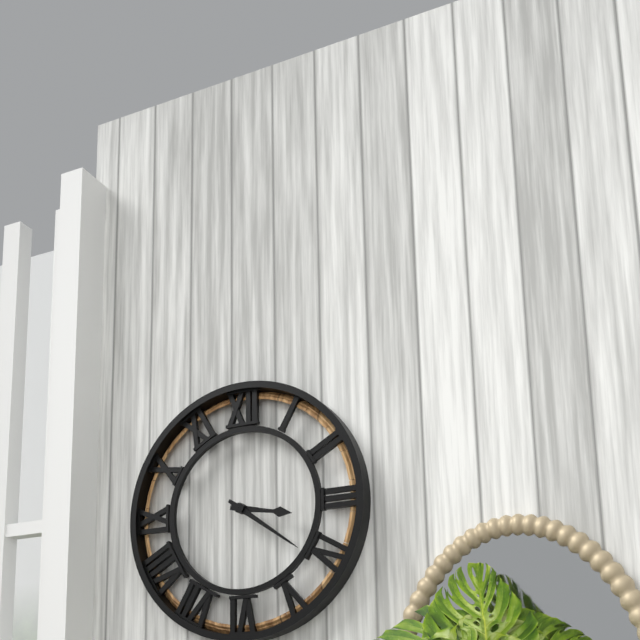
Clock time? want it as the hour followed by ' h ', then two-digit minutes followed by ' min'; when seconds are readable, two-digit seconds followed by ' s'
3 h 21 min
